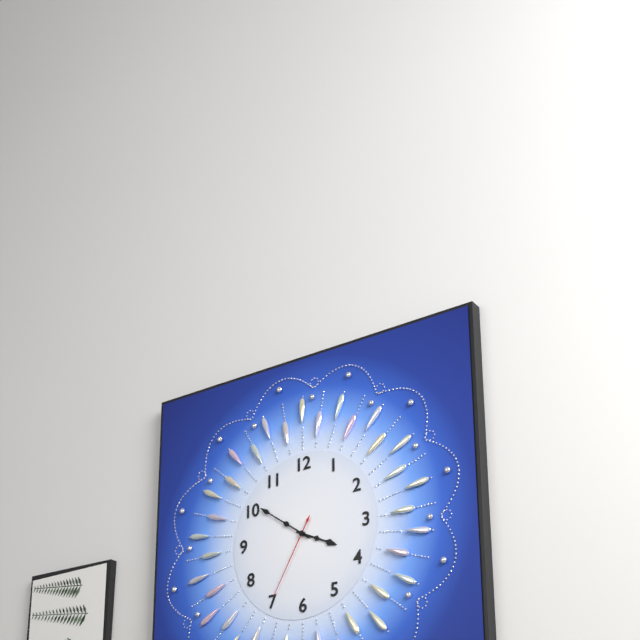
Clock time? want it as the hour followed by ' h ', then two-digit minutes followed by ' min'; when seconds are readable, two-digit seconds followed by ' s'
3 h 51 min 35 s
